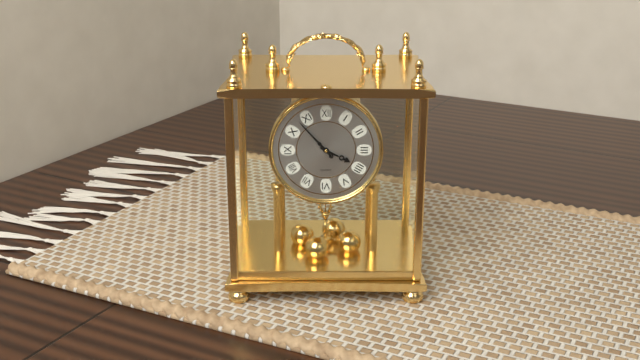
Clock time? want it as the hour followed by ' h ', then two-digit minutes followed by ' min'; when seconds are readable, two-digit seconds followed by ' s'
3 h 53 min
